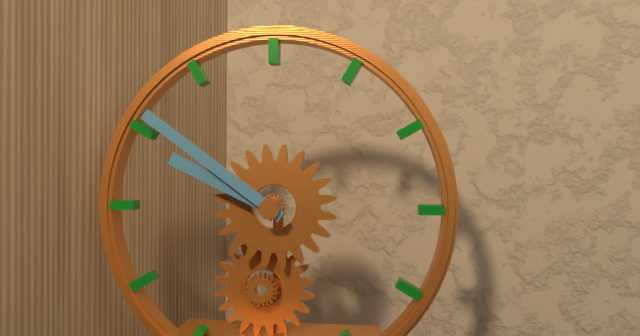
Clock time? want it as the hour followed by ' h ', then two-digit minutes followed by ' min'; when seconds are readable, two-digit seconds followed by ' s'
9 h 51 min
